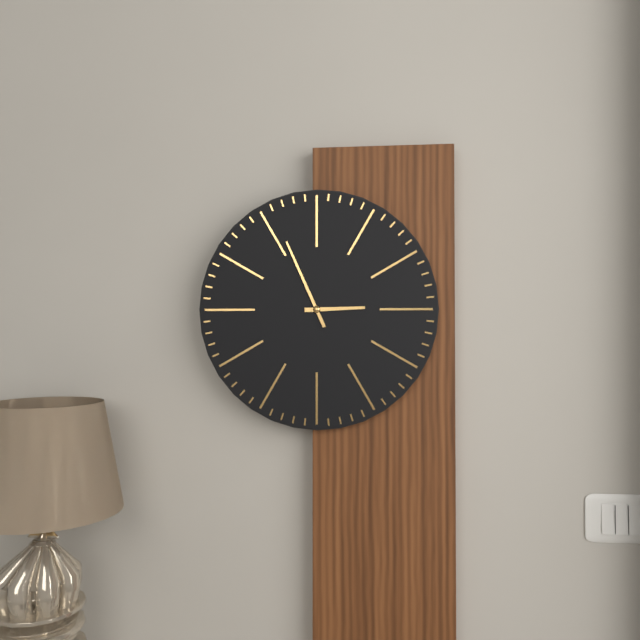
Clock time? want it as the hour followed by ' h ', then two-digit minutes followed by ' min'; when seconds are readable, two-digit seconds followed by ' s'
2 h 56 min
